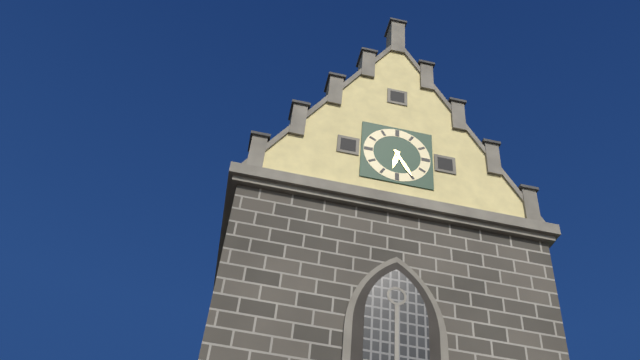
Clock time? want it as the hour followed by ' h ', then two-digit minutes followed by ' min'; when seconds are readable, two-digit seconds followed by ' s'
6 h 25 min
